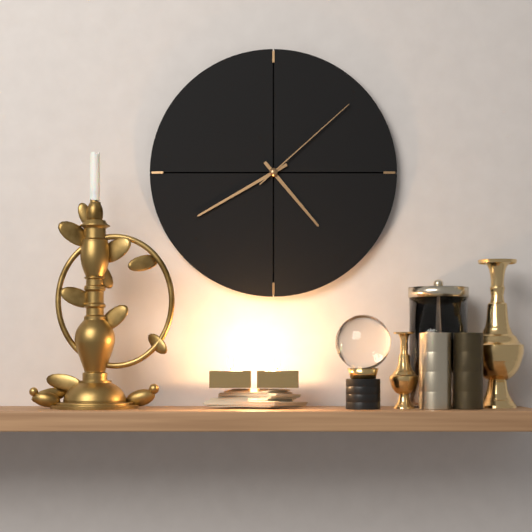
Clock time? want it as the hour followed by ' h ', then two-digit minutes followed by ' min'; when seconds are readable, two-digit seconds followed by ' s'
4 h 40 min 08 s
